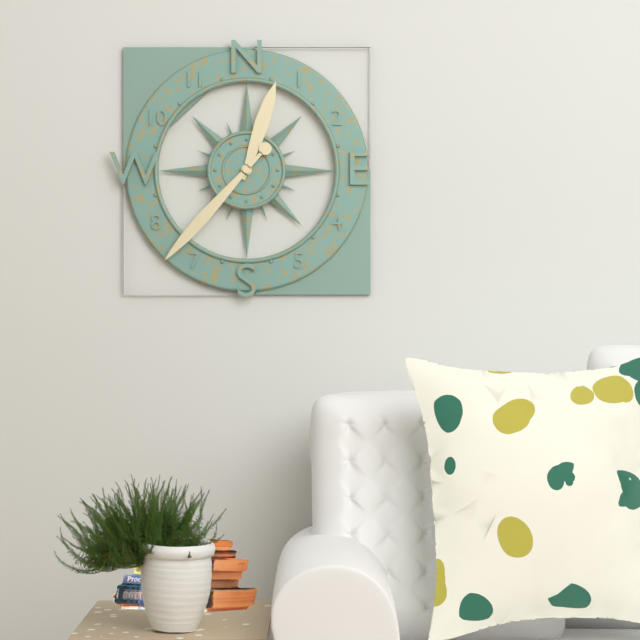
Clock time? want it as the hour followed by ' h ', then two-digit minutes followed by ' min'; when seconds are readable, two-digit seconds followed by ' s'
12 h 37 min
